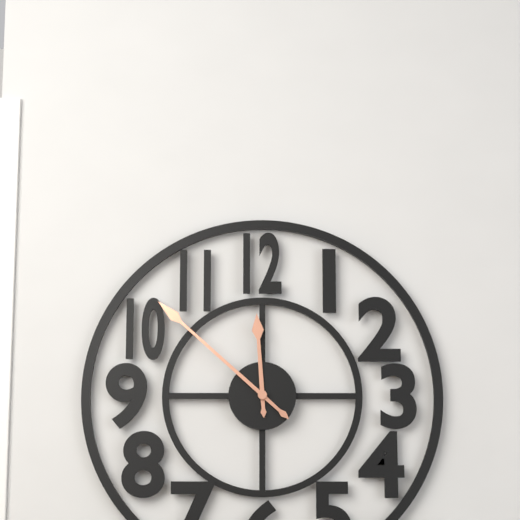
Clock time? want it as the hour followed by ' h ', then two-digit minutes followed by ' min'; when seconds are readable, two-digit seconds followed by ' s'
11 h 52 min
